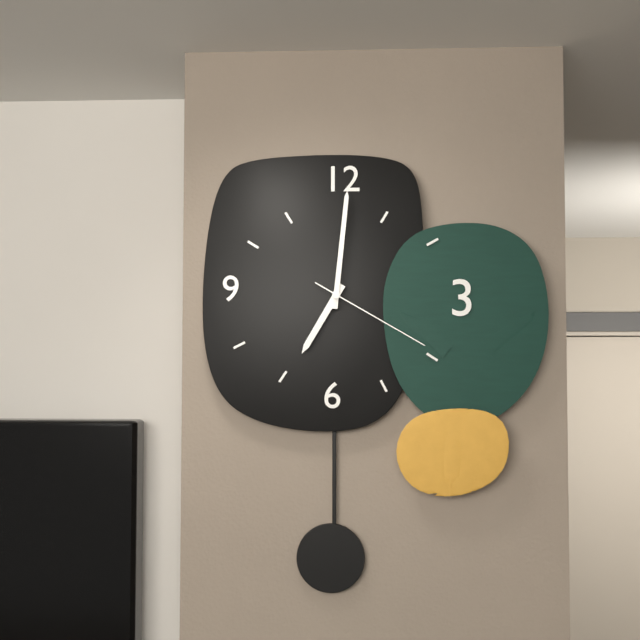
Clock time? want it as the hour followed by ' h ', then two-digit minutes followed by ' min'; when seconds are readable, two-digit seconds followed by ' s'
7 h 01 min 20 s
